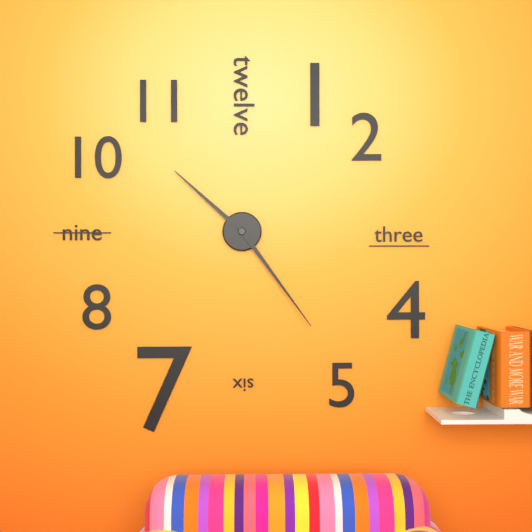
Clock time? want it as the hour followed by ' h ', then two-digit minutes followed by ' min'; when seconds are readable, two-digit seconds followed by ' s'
10 h 24 min
